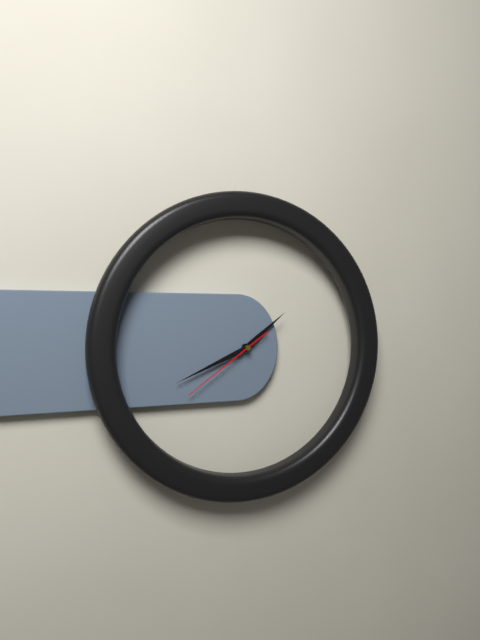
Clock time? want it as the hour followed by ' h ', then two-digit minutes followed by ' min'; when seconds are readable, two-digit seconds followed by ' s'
1 h 41 min 39 s
